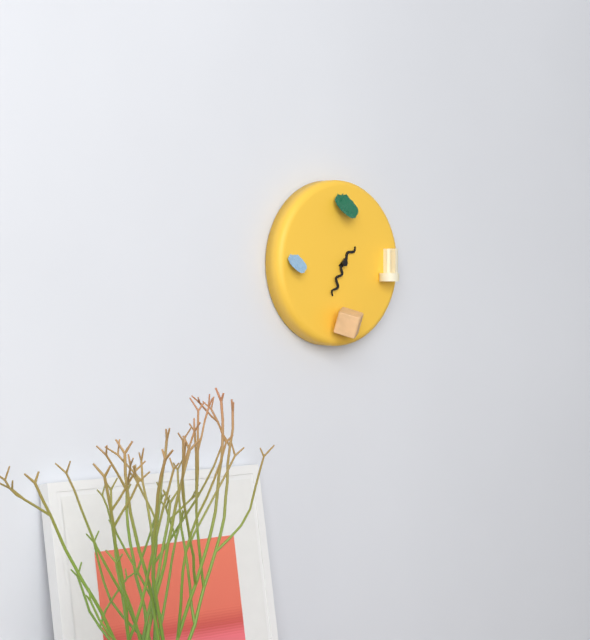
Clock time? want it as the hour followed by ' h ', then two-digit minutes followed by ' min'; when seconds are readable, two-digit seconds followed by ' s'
1 h 34 min
